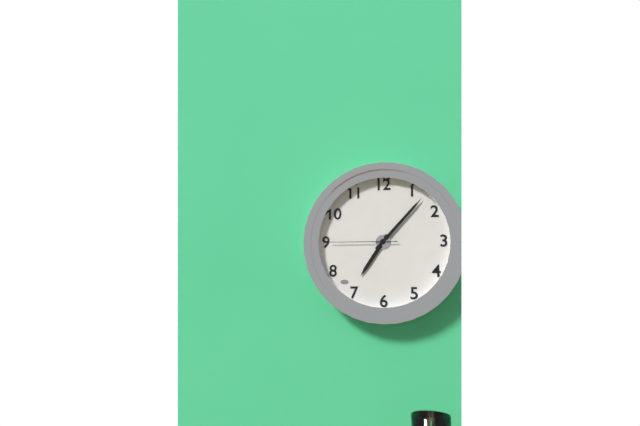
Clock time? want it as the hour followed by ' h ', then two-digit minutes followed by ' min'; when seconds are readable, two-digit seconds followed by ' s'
7 h 07 min 45 s
